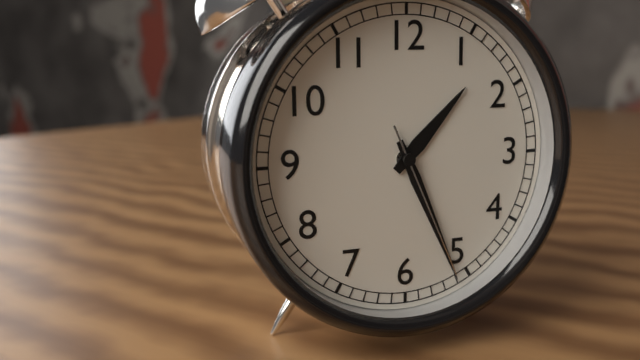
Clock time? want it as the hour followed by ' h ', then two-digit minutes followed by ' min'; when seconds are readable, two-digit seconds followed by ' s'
1 h 26 min 26 s
